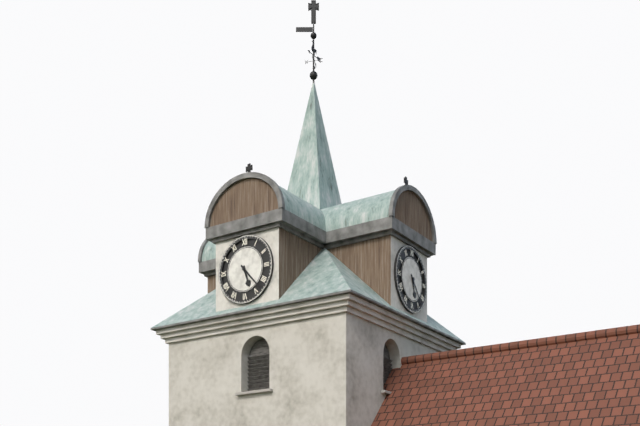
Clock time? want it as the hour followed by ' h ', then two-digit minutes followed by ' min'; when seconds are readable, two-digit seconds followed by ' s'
5 h 23 min
